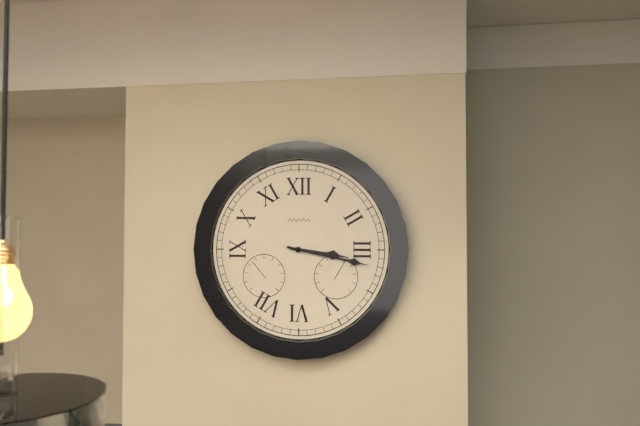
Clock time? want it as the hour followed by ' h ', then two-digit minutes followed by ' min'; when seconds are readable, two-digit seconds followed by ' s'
3 h 17 min
